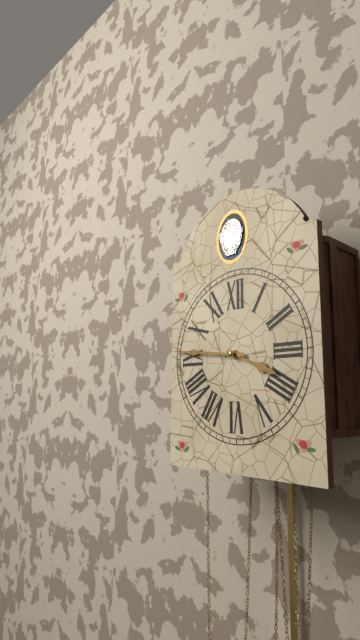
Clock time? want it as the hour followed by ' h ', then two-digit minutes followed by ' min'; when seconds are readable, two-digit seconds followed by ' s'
3 h 46 min
